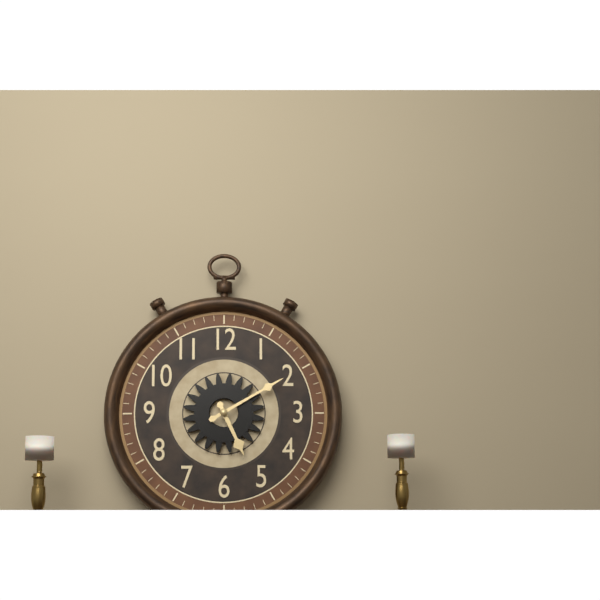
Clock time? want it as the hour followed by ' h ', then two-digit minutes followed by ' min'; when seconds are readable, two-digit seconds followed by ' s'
5 h 10 min
